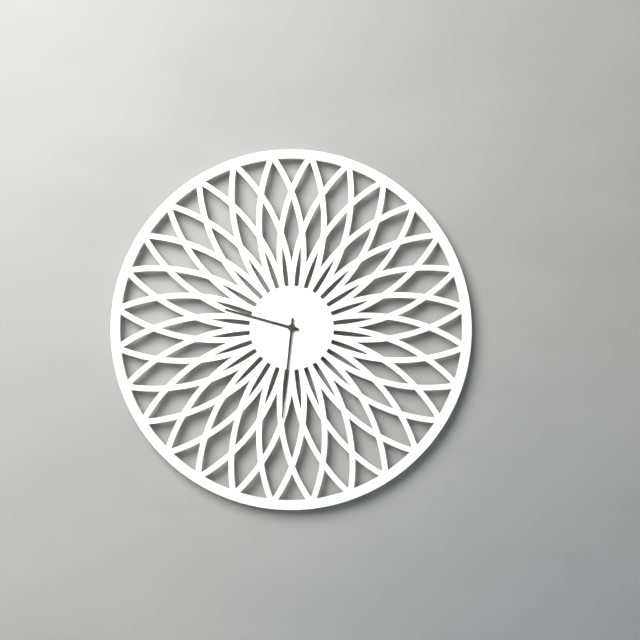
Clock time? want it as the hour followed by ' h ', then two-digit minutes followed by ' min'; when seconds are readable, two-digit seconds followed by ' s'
9 h 31 min
